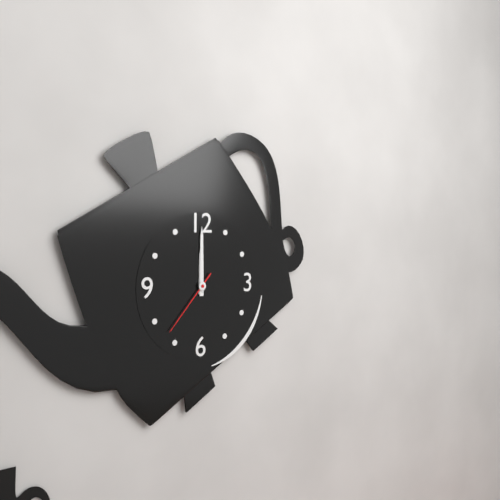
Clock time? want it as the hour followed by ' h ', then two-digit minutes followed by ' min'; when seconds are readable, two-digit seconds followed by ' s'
12 h 00 min 37 s
